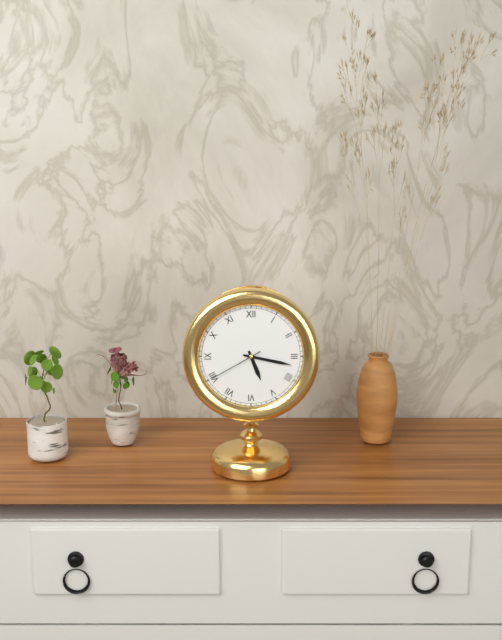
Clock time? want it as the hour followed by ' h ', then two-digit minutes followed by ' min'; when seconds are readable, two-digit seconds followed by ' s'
5 h 17 min 40 s
